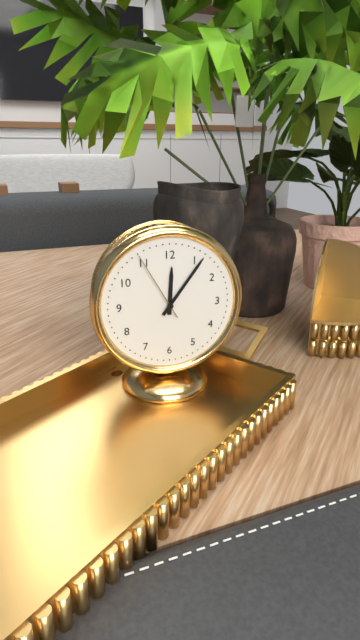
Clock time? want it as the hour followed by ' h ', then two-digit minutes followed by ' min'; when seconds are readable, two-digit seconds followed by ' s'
12 h 06 min 55 s
